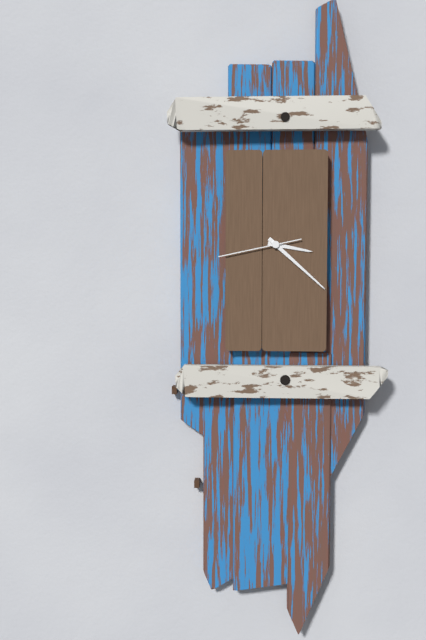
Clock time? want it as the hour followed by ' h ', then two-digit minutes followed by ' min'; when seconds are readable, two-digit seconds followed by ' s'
3 h 22 min 43 s
